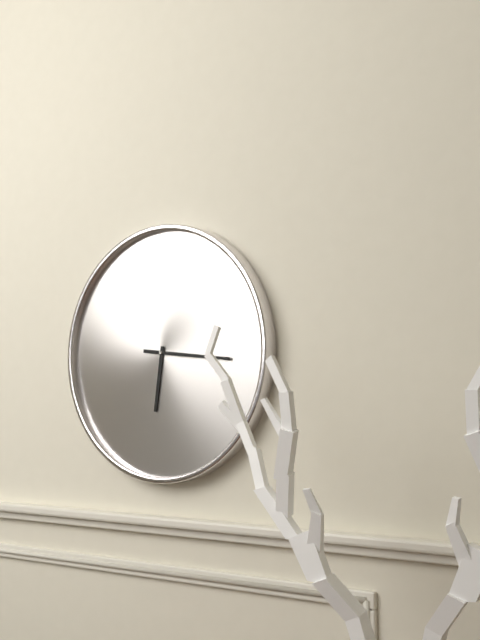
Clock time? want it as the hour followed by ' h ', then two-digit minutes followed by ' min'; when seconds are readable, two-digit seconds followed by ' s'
6 h 16 min
